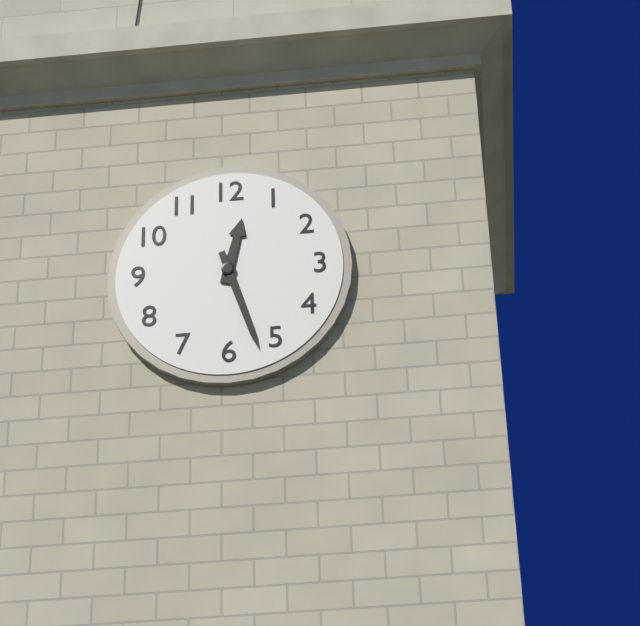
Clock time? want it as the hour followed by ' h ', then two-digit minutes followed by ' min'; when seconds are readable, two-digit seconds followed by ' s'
12 h 27 min
